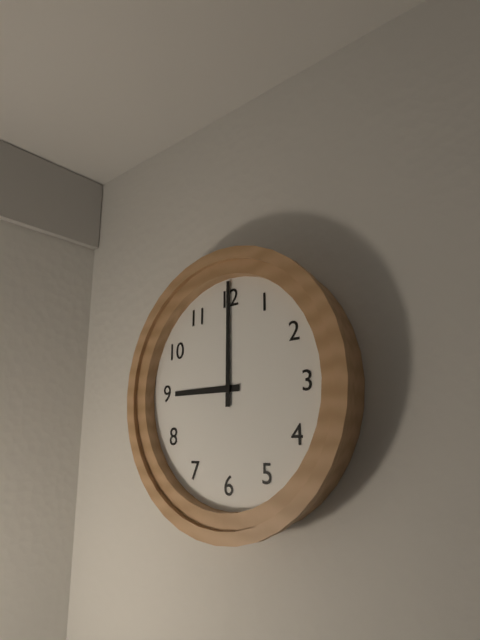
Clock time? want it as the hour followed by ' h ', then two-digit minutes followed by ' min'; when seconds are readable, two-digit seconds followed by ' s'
9 h 00 min
